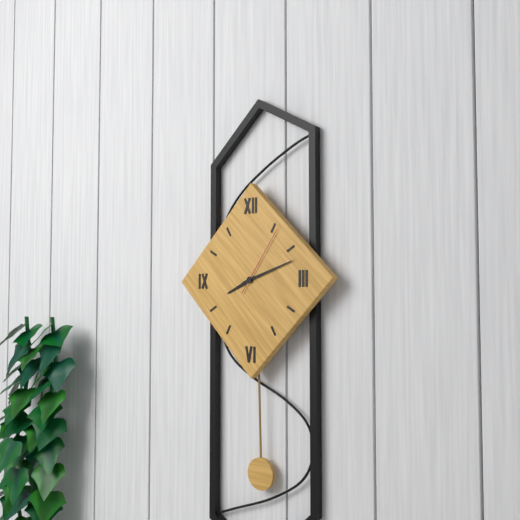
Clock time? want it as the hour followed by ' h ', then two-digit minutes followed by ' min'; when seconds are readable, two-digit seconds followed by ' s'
8 h 12 min 06 s
